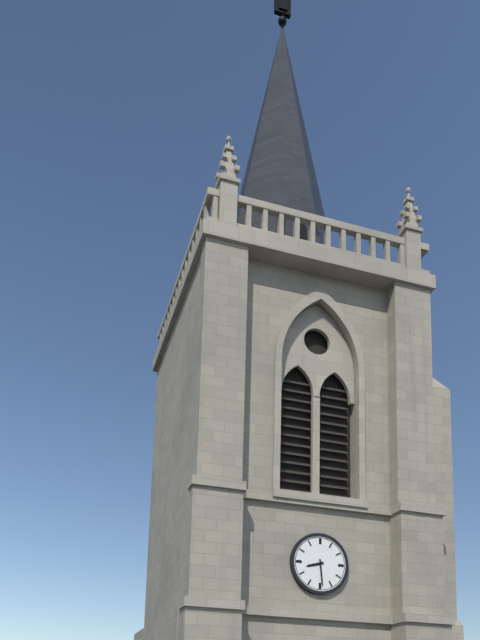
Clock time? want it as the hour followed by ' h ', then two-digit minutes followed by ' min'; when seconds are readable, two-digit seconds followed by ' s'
8 h 29 min
